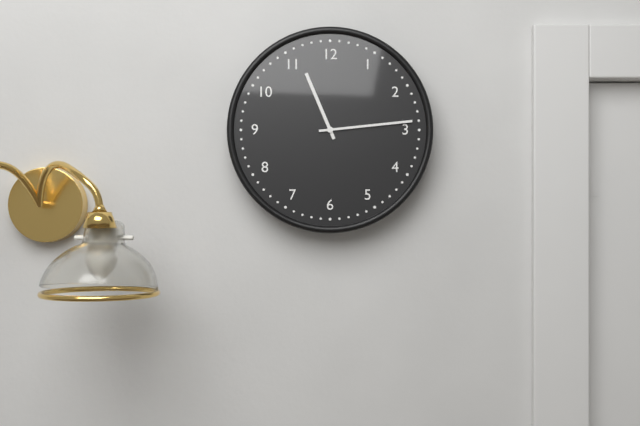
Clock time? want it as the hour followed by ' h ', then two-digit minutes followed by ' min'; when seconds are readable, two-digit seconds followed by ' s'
11 h 14 min
